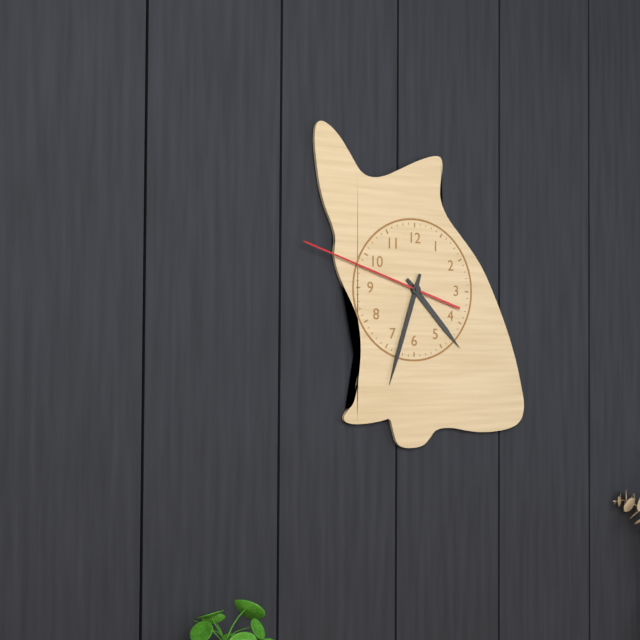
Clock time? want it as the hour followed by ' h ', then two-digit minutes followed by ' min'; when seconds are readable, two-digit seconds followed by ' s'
4 h 33 min 48 s
